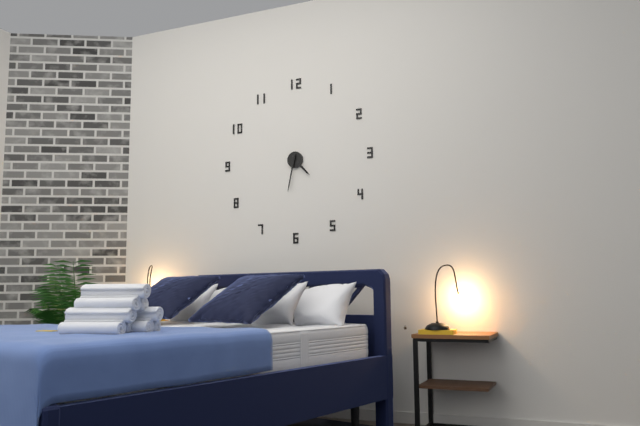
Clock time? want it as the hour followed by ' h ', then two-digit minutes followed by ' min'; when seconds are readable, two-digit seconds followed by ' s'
4 h 32 min
